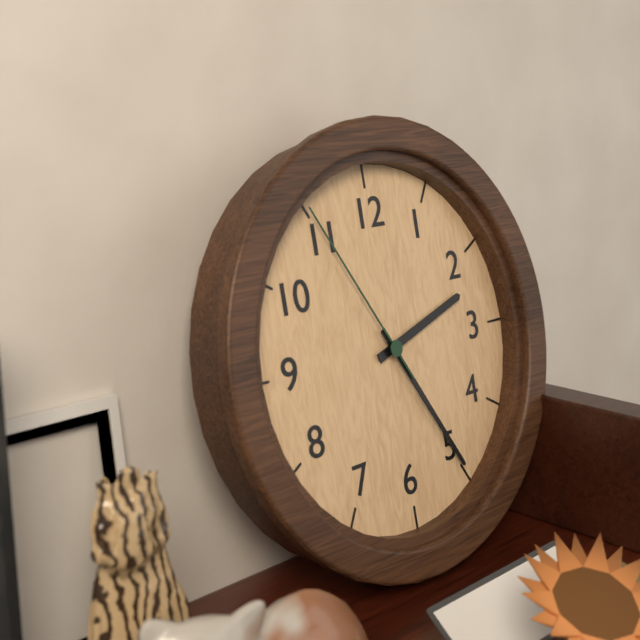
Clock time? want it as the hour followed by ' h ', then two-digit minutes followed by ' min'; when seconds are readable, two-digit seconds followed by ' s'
2 h 25 min 55 s
